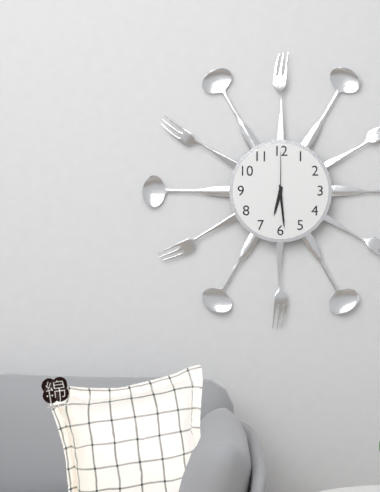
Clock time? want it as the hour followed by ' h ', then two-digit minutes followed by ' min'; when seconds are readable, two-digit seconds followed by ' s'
6 h 29 min 00 s
